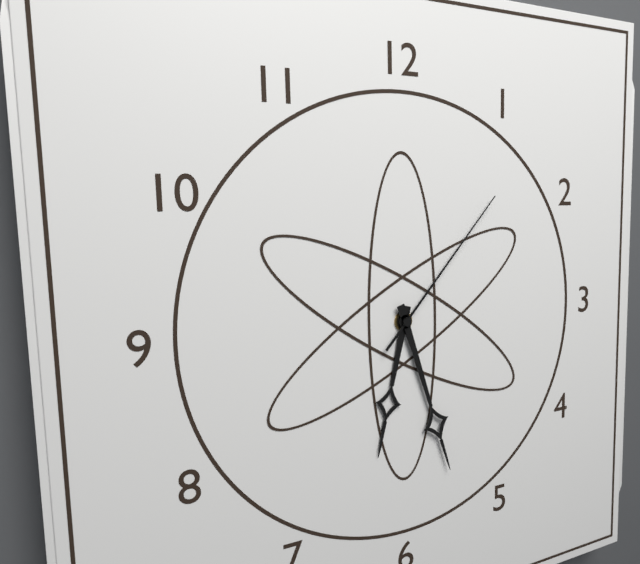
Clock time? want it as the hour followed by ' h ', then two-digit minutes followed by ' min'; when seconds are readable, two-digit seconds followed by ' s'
6 h 27 min 07 s
